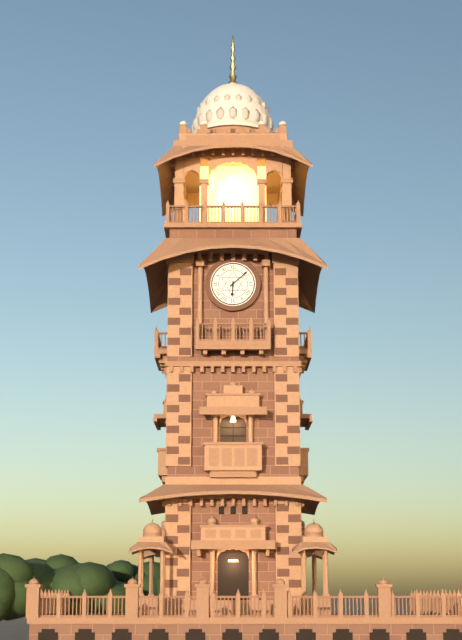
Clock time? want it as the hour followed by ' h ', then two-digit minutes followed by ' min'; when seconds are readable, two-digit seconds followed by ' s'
6 h 08 min
